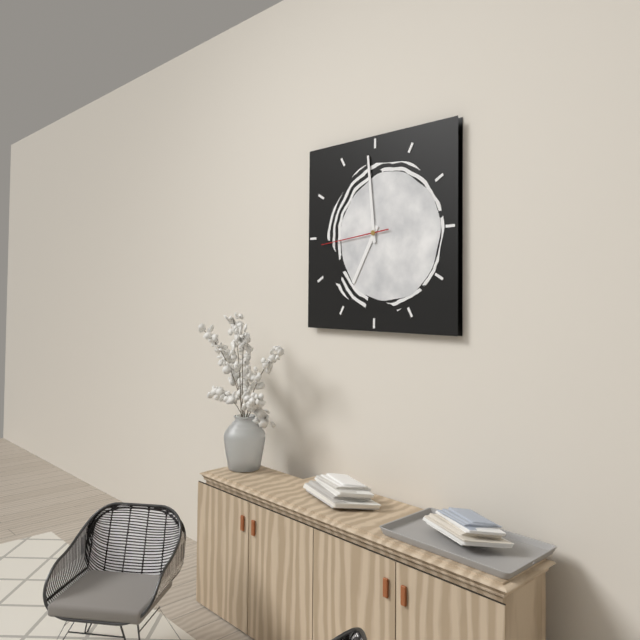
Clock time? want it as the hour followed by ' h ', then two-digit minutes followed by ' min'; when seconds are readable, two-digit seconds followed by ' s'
6 h 59 min 44 s
